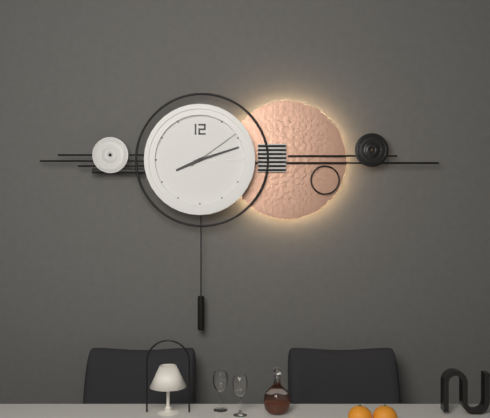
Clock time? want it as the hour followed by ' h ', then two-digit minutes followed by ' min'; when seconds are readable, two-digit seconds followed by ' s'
8 h 12 min 09 s
